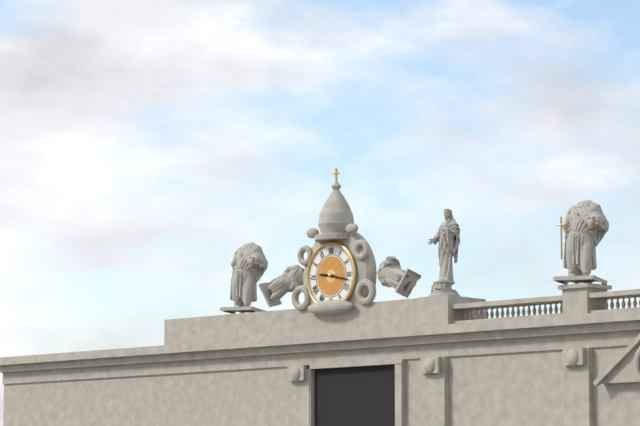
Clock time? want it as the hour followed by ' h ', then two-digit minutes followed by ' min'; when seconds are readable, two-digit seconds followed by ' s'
9 h 17 min
